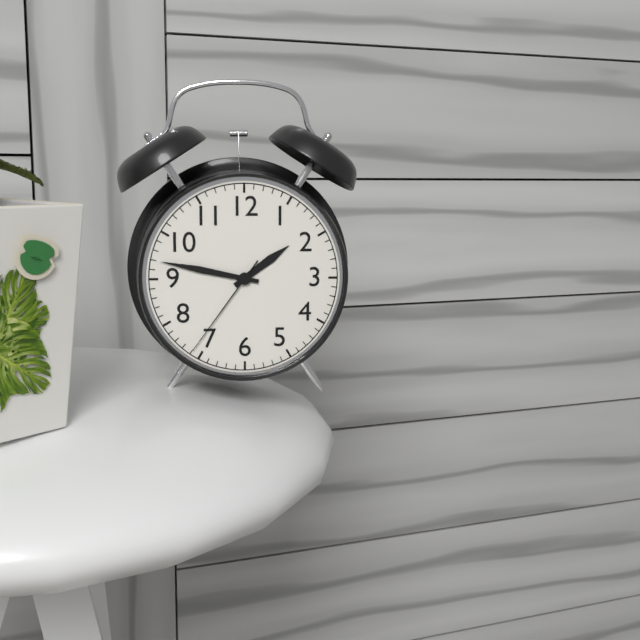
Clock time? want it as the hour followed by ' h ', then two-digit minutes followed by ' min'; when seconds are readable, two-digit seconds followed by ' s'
1 h 47 min 36 s
